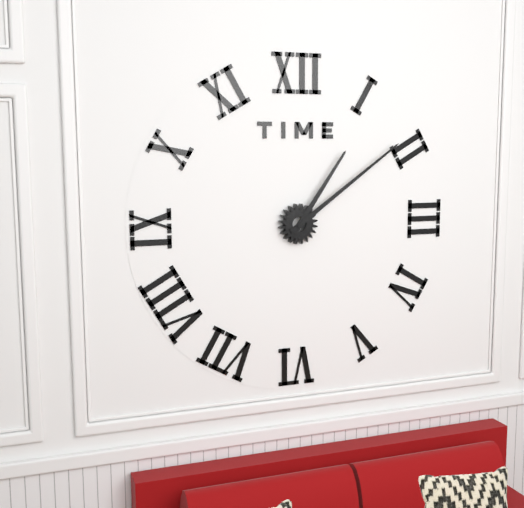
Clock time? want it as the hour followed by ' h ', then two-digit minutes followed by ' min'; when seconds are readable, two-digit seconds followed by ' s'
1 h 09 min
